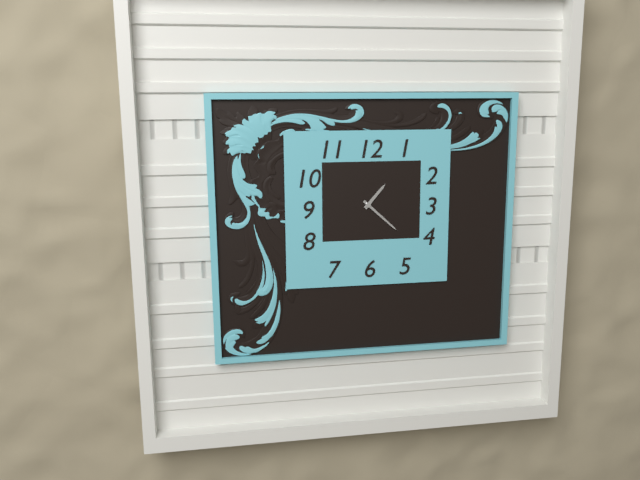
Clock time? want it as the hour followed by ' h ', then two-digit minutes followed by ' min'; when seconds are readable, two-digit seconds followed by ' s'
1 h 22 min
